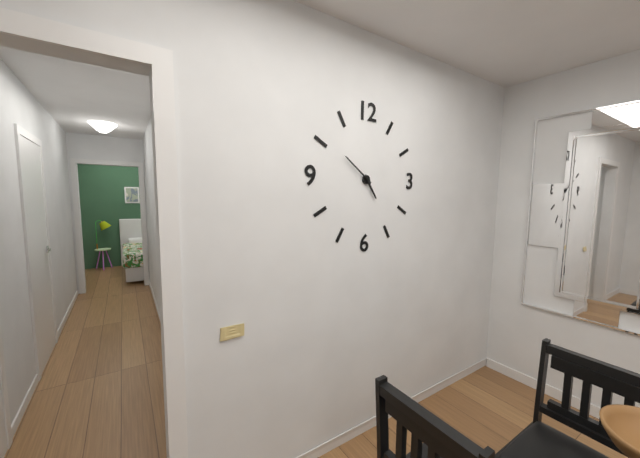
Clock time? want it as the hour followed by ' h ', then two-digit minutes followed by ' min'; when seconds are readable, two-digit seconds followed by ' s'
4 h 51 min
